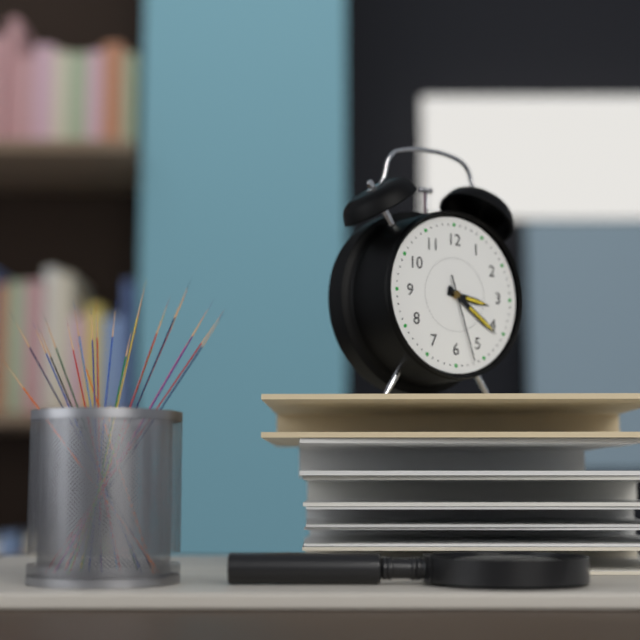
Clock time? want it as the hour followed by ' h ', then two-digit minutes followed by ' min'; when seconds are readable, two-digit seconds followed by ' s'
3 h 21 min 27 s
